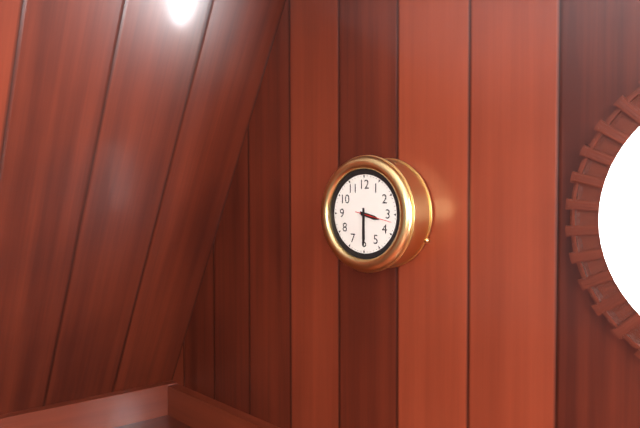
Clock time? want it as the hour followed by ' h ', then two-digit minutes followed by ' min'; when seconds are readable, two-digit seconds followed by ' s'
3 h 30 min
